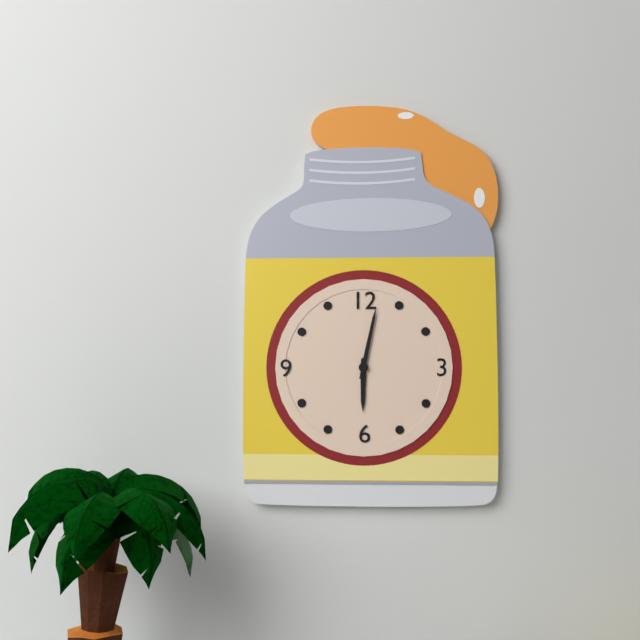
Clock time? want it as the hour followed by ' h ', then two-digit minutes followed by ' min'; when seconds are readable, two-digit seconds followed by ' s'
6 h 02 min
